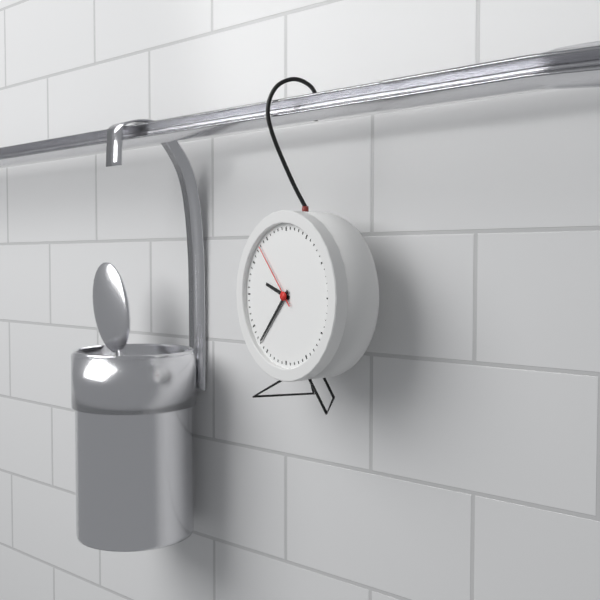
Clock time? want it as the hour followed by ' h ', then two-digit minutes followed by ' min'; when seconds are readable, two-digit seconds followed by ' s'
9 h 37 min 53 s
